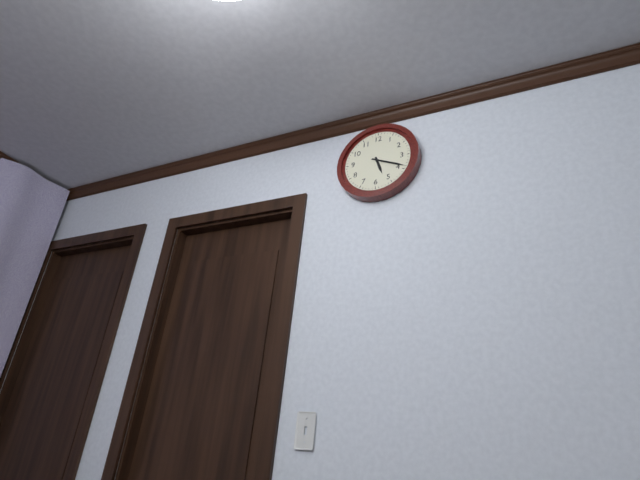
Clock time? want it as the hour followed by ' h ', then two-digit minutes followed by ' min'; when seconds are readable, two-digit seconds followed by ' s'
5 h 19 min
